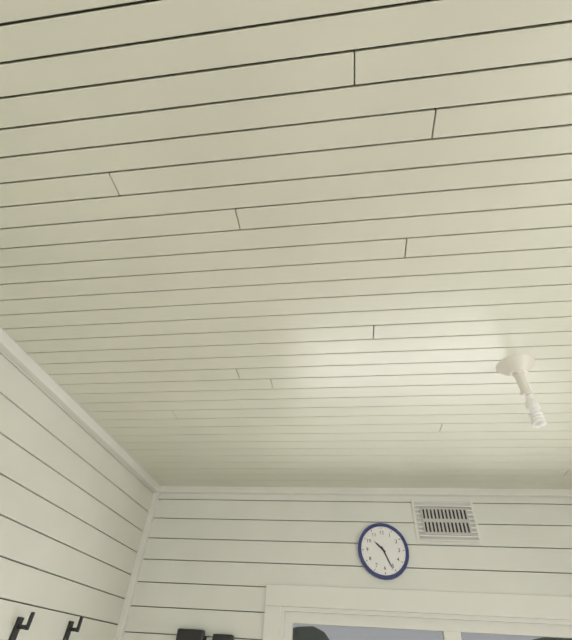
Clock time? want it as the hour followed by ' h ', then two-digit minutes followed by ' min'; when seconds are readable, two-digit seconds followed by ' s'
10 h 26 min
